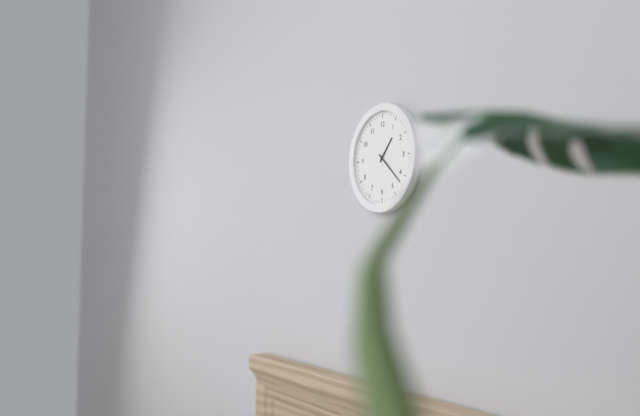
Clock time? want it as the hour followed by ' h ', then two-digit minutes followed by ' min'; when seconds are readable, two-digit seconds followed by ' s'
1 h 22 min
